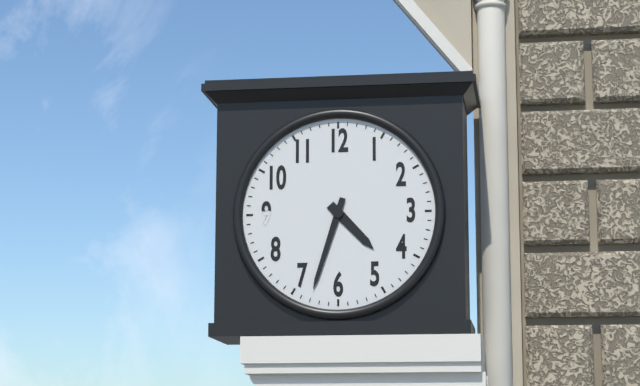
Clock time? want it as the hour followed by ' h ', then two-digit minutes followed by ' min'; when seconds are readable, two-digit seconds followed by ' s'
4 h 33 min
